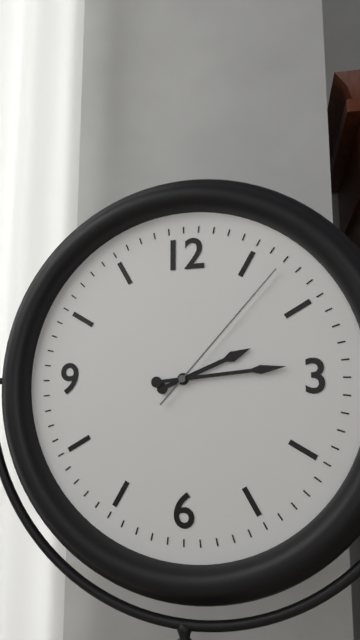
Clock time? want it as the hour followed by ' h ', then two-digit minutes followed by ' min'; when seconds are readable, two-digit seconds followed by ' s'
2 h 14 min 07 s
